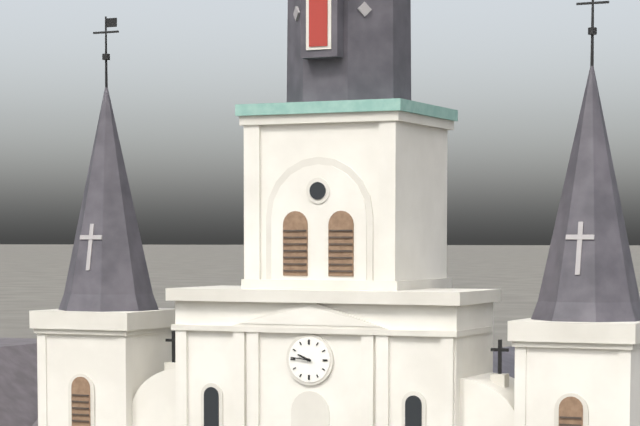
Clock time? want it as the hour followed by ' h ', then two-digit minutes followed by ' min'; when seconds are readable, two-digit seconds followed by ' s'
9 h 46 min
